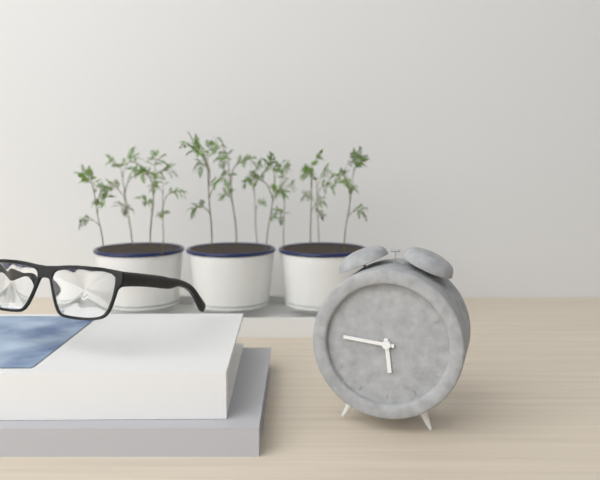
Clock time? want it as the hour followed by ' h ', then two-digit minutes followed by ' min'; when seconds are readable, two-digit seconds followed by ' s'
5 h 46 min
